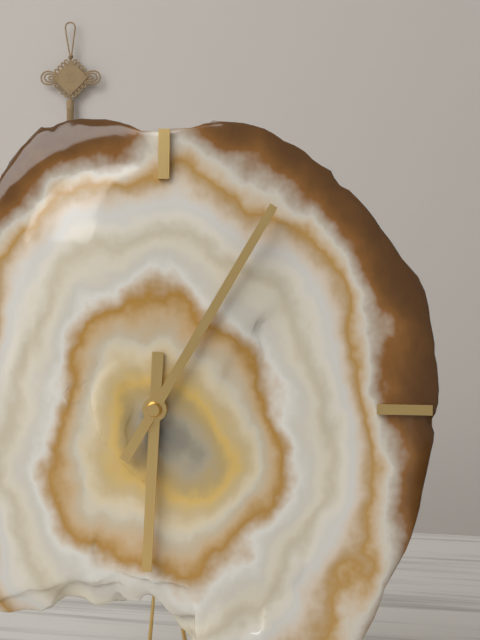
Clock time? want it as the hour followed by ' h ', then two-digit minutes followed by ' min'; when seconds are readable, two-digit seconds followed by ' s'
6 h 05 min
